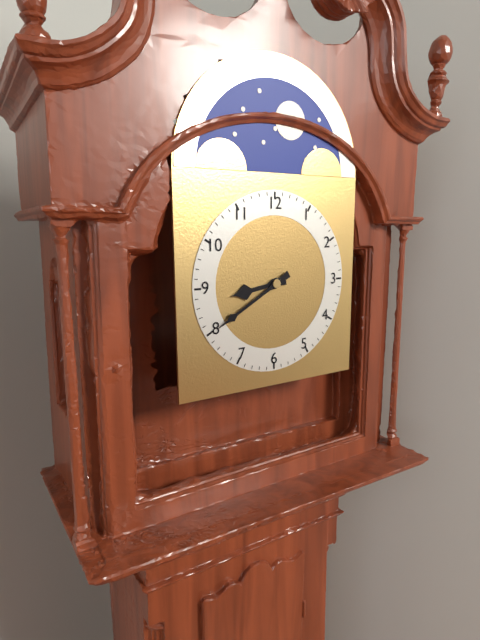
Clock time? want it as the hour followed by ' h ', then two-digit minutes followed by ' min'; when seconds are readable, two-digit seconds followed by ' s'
8 h 40 min
